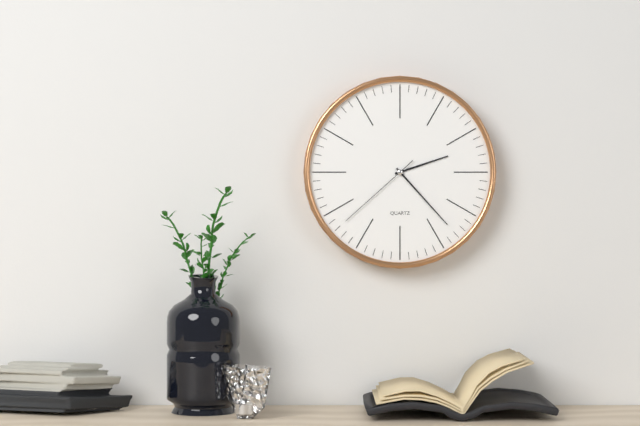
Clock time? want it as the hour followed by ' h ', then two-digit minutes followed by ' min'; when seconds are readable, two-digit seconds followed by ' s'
2 h 23 min 38 s
